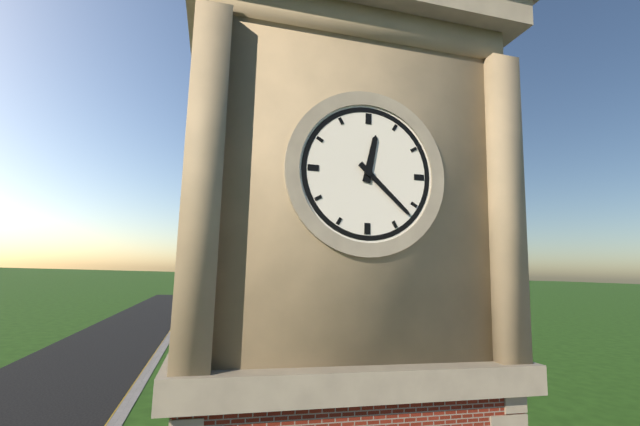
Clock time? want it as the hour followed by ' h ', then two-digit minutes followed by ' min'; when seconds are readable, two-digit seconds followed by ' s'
12 h 22 min
